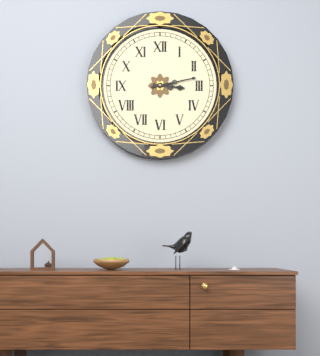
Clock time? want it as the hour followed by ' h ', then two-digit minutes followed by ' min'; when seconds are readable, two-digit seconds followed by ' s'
3 h 13 min
